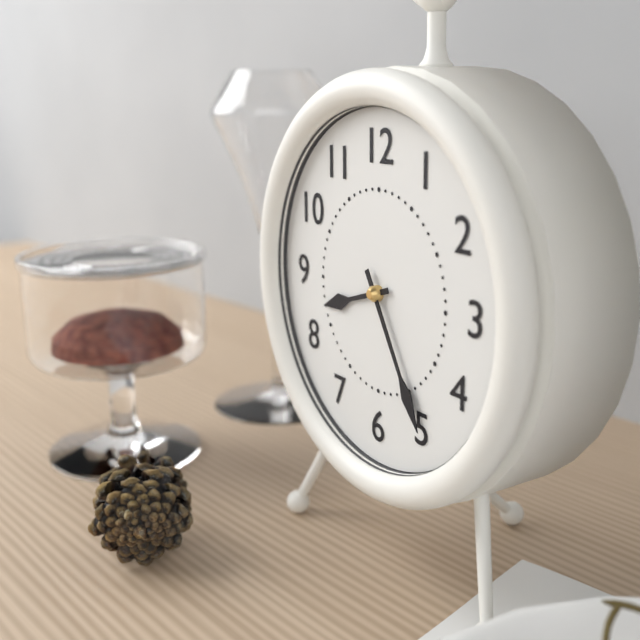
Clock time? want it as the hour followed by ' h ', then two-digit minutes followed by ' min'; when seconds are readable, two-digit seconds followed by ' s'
8 h 25 min
